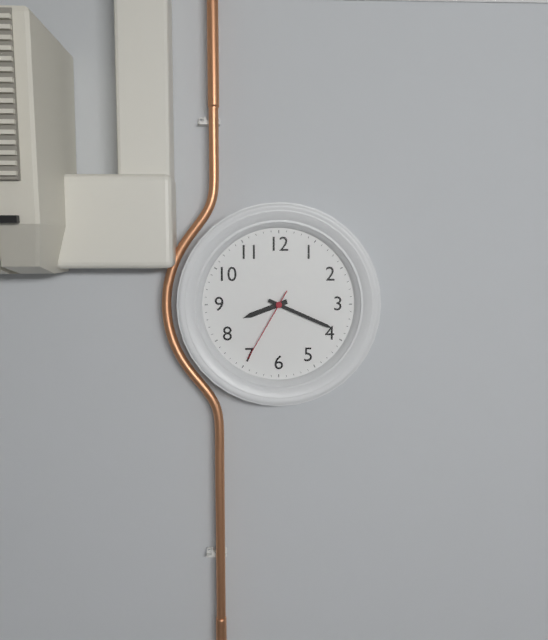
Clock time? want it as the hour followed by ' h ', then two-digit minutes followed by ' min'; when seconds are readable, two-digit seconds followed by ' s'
8 h 19 min 35 s
